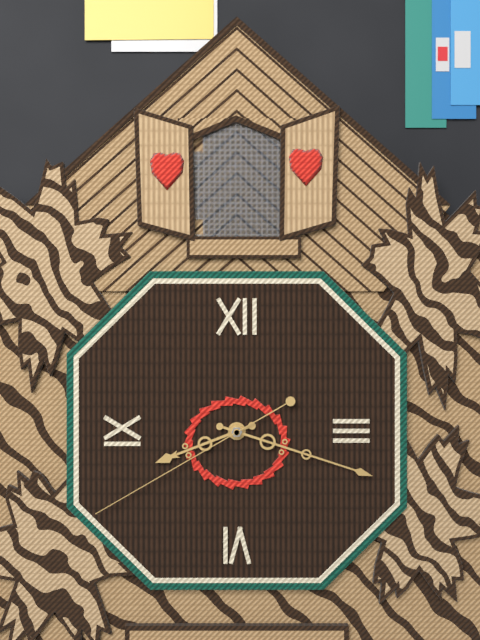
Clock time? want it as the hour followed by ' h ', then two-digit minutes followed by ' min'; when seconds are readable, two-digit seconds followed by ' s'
8 h 18 min 40 s
